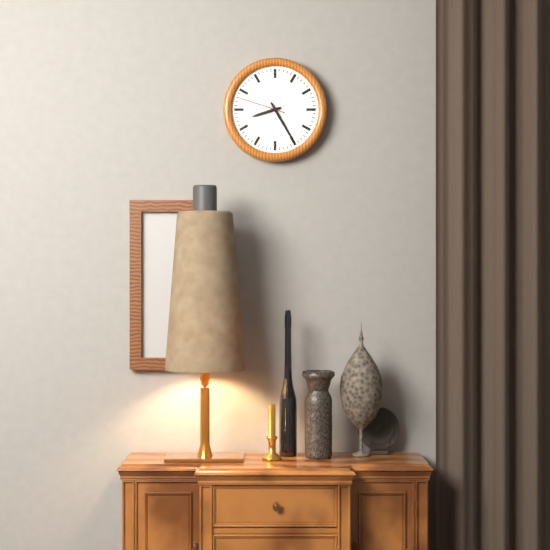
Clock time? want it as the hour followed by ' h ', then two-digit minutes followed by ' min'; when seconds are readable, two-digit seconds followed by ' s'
8 h 25 min
